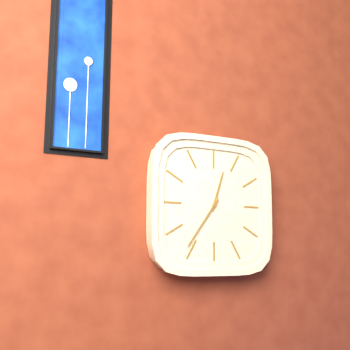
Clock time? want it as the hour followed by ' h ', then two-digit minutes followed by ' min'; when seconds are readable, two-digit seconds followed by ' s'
12 h 36 min
